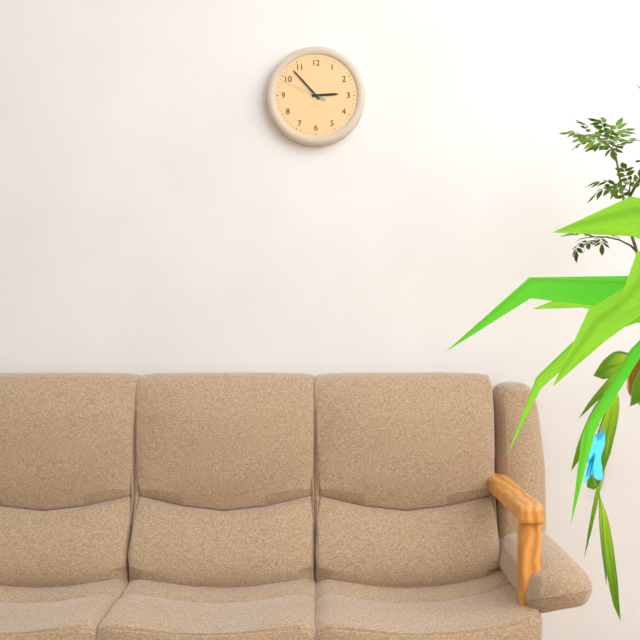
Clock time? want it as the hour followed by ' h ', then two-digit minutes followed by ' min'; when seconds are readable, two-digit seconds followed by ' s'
2 h 53 min
